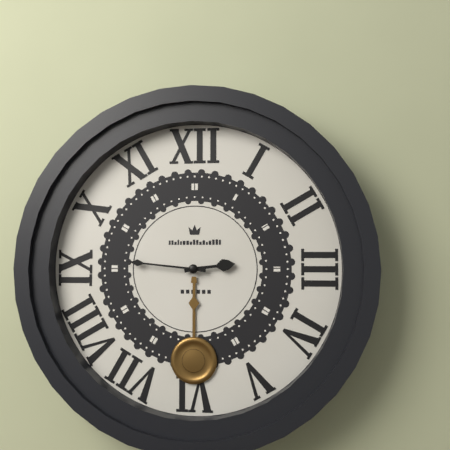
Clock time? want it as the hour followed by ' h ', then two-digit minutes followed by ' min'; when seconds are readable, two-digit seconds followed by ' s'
2 h 46 min
